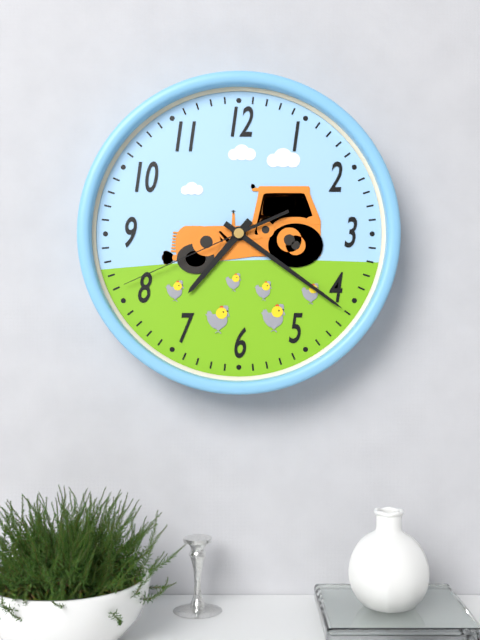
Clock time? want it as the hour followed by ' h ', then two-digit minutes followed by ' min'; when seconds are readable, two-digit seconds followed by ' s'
7 h 21 min 41 s
